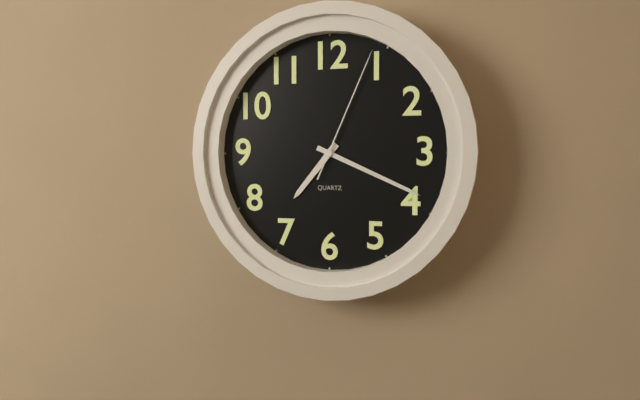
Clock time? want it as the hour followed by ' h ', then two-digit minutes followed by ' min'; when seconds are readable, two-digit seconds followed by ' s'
7 h 19 min 04 s
